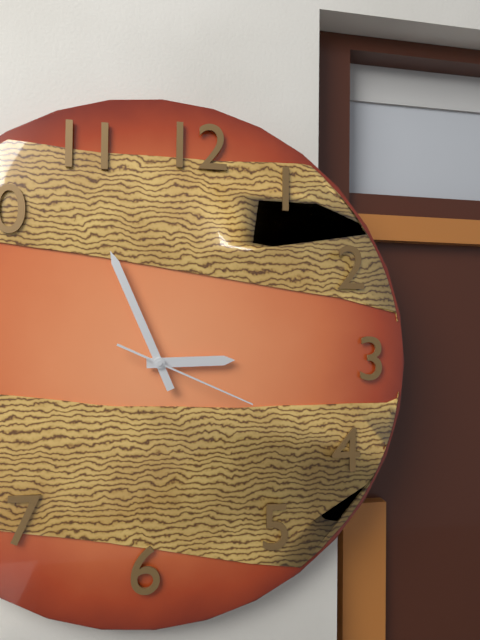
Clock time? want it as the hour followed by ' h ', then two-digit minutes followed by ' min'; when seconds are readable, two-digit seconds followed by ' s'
2 h 56 min 19 s
